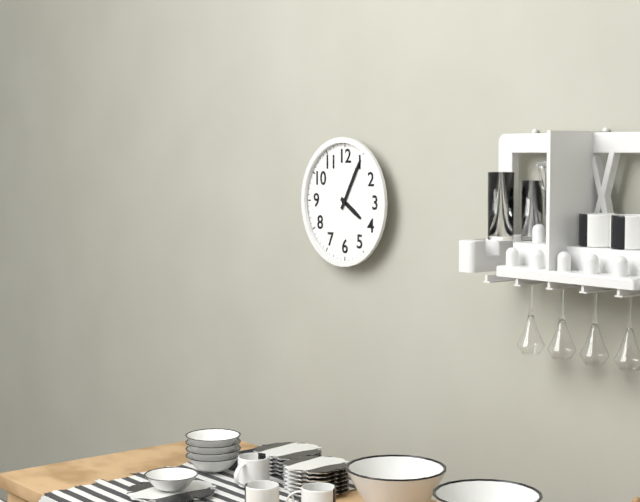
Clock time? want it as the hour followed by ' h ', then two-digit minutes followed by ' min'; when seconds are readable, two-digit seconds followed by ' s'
4 h 05 min
